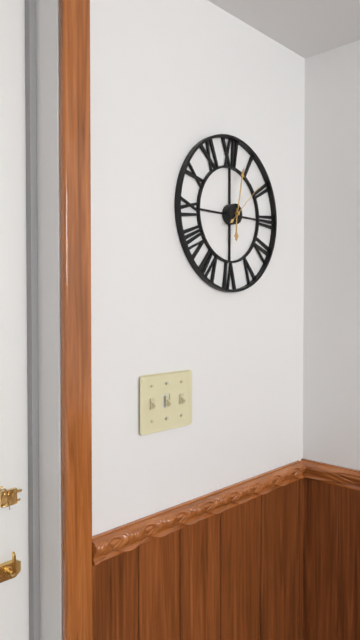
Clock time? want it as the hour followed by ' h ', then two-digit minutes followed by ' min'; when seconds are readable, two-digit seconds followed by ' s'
6 h 02 min 08 s
